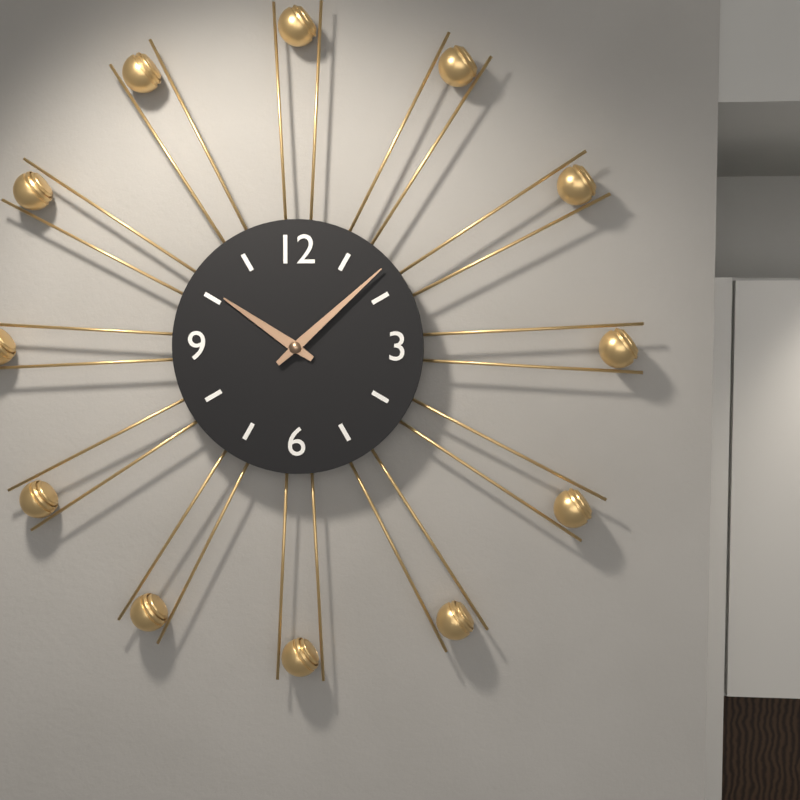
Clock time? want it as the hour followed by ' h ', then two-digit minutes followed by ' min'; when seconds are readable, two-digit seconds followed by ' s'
10 h 08 min
